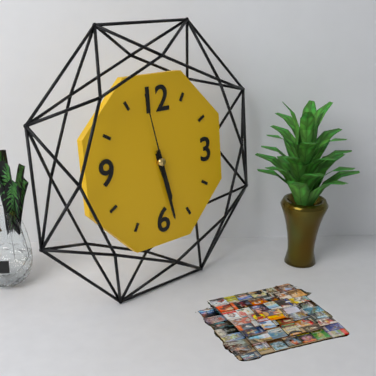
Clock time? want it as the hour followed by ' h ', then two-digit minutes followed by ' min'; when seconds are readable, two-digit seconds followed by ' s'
5 h 28 min 58 s
